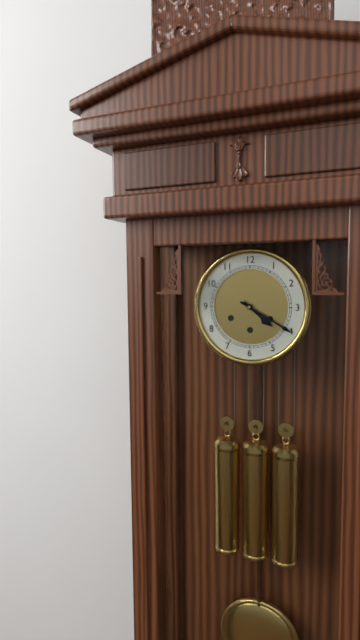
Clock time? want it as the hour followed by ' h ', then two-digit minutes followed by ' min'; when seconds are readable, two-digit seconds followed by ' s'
4 h 20 min
